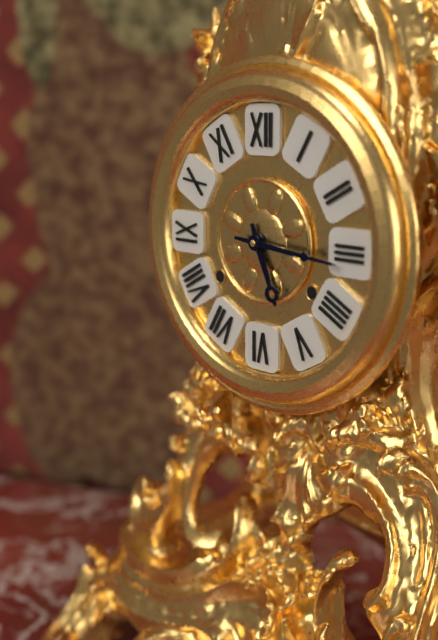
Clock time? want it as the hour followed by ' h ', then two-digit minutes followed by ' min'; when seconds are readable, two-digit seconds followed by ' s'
5 h 16 min
